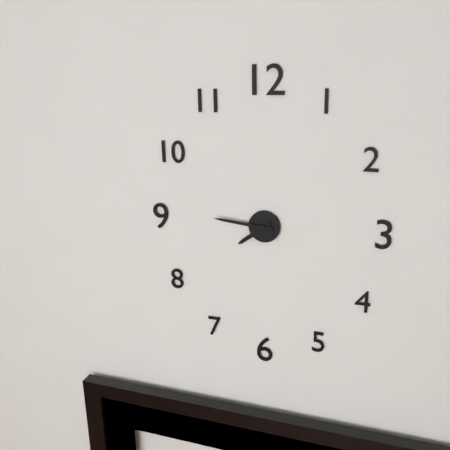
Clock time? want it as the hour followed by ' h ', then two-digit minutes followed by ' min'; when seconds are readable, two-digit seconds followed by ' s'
7 h 46 min
